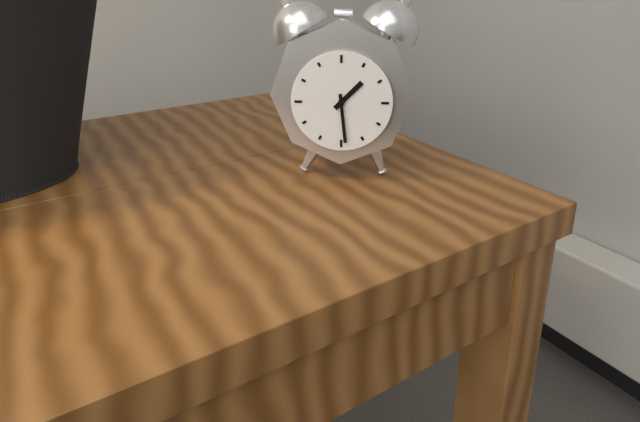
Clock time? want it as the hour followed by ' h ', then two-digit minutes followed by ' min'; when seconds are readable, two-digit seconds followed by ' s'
1 h 29 min
